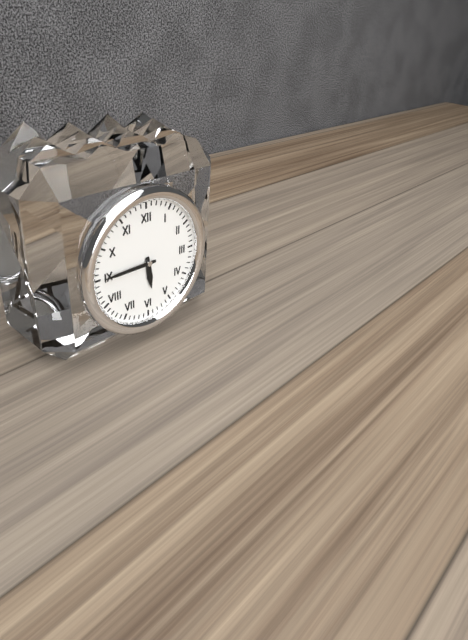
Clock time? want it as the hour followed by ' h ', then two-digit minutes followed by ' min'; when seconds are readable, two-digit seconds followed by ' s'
5 h 45 min
